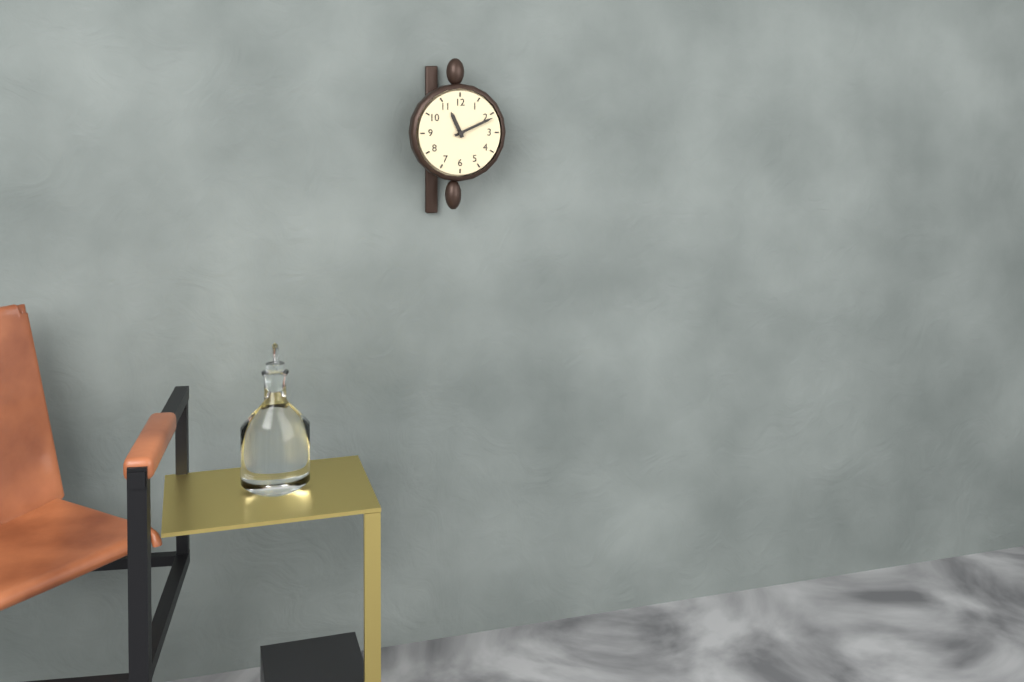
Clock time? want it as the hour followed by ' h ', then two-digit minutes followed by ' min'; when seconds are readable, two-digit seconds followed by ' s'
11 h 11 min
